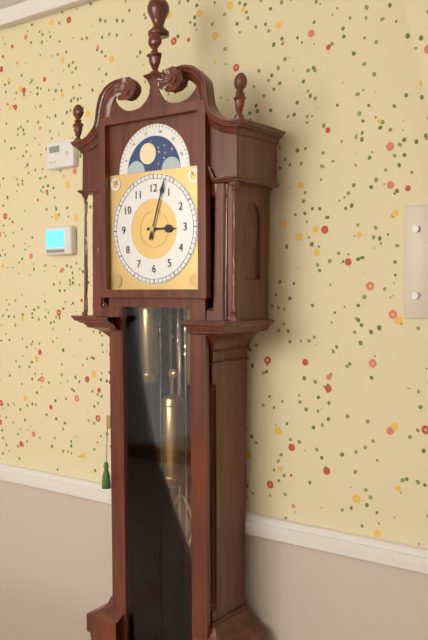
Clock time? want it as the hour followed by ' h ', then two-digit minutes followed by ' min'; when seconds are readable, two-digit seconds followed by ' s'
3 h 03 min
